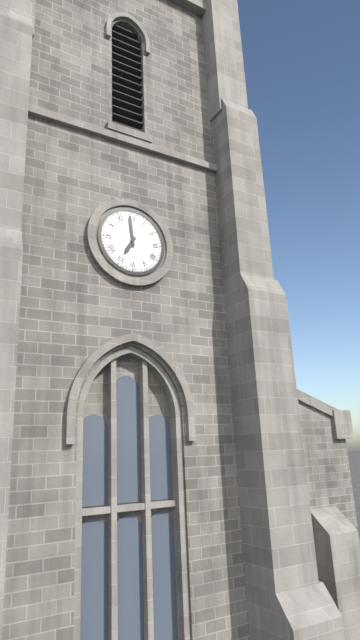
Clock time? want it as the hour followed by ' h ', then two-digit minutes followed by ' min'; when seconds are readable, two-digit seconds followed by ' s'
6 h 59 min
